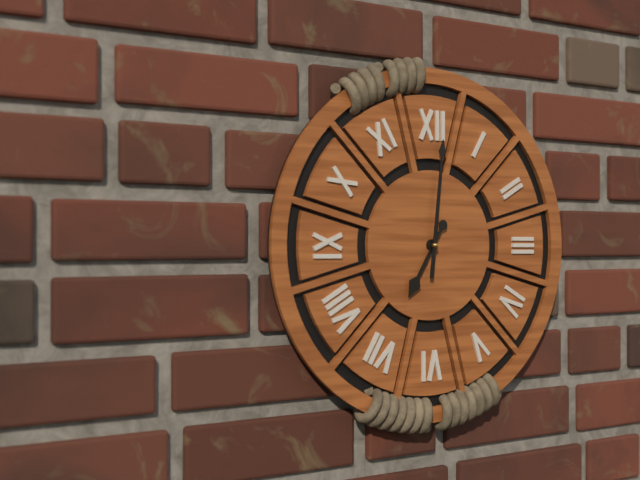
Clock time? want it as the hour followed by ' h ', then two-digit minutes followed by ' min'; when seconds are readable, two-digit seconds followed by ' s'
7 h 01 min
